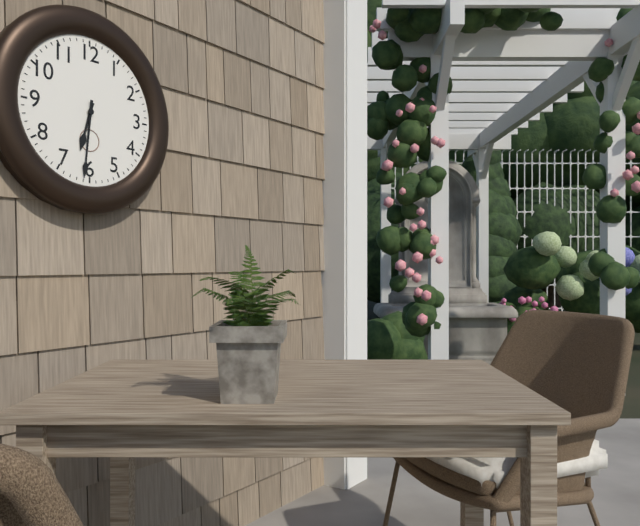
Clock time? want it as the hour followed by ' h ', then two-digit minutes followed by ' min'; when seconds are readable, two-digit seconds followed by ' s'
6 h 31 min
